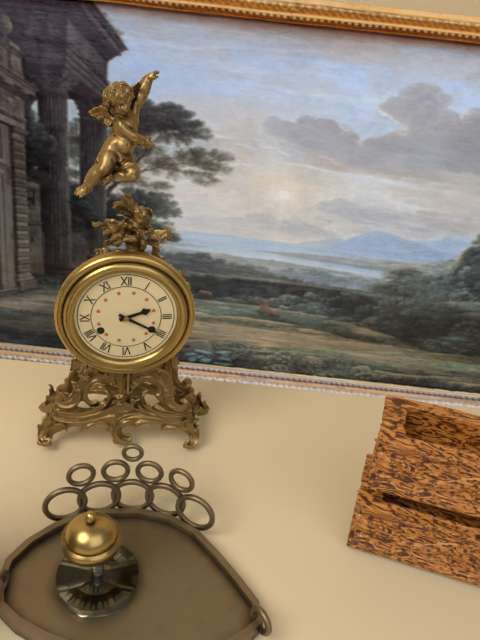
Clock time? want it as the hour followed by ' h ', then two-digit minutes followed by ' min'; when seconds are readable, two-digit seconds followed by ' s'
2 h 20 min
